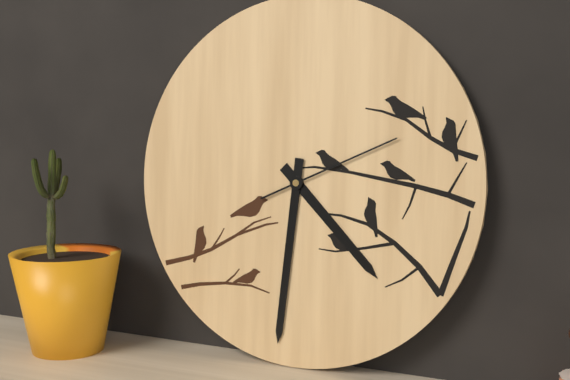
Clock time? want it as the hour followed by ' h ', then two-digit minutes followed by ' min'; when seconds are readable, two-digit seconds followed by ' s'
4 h 31 min 11 s
